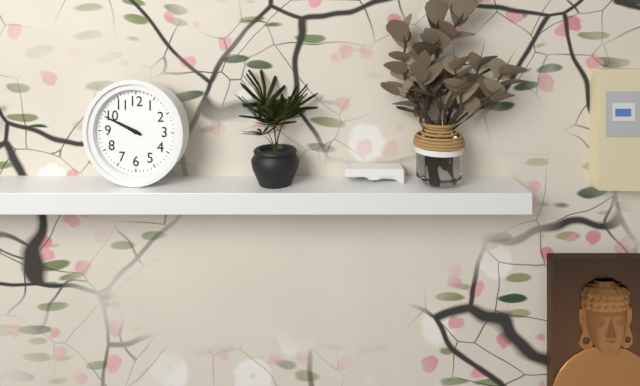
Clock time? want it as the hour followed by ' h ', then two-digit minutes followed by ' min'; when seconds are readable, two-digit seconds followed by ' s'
9 h 49 min
